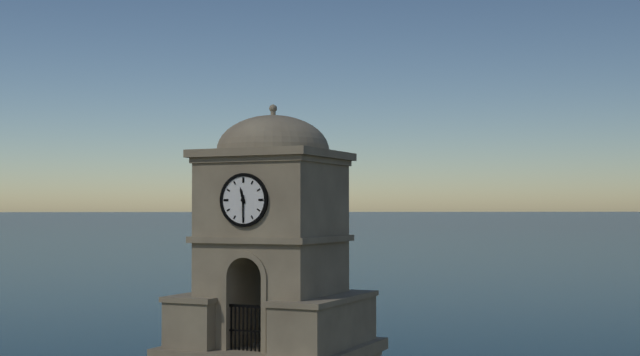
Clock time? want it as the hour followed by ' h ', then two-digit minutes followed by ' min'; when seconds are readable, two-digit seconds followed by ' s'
11 h 30 min
